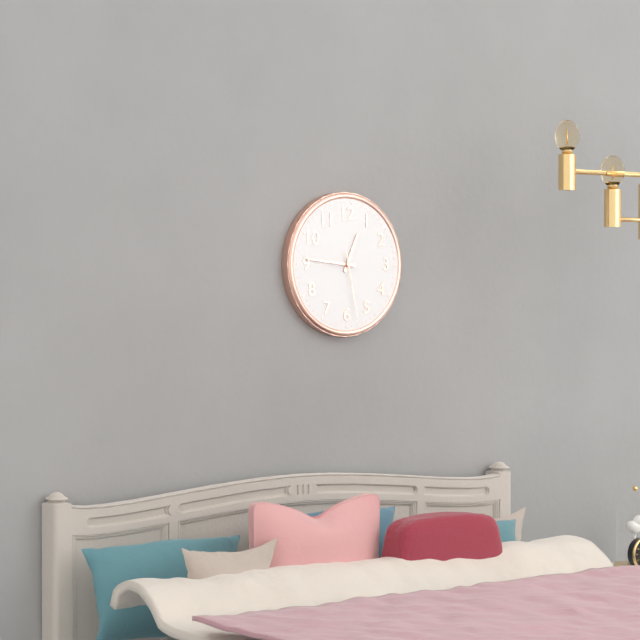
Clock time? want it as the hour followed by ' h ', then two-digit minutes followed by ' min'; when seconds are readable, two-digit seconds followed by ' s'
12 h 46 min 28 s
